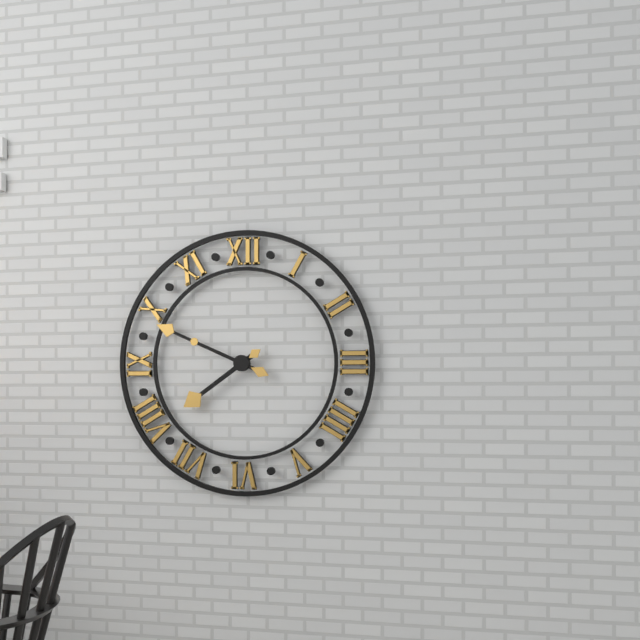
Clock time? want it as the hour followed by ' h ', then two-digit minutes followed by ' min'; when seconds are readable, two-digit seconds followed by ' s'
7 h 49 min
